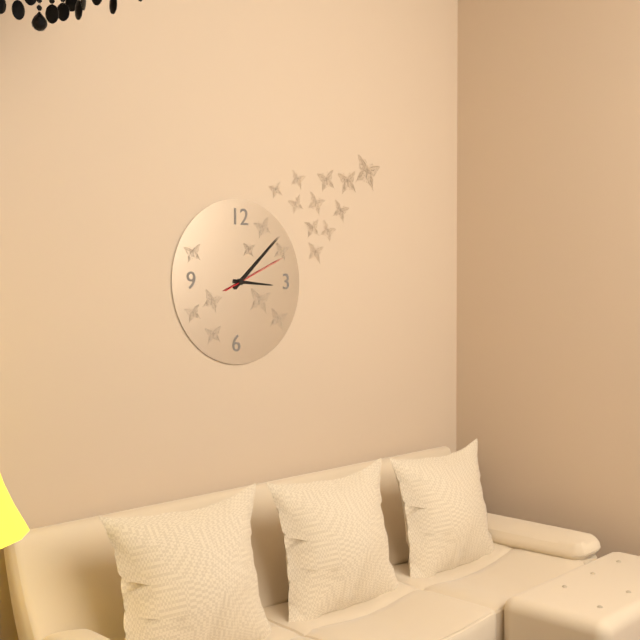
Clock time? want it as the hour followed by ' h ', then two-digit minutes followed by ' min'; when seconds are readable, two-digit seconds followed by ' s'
3 h 08 min 11 s
